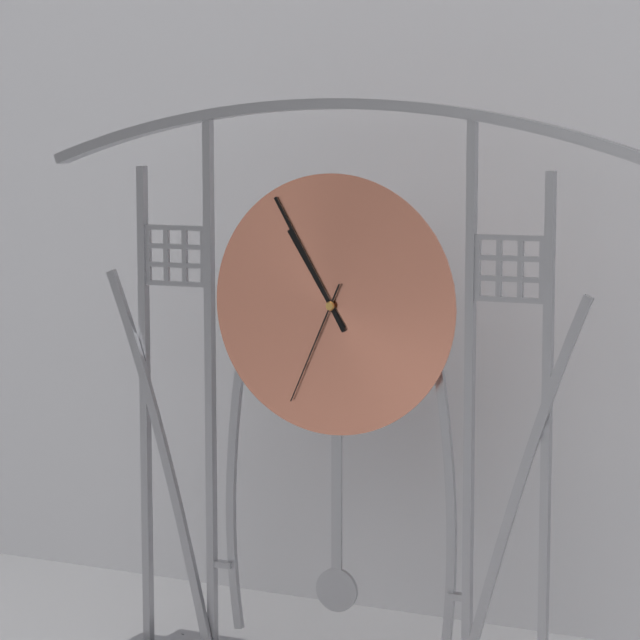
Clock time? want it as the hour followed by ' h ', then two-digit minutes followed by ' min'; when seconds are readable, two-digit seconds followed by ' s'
10 h 55 min 34 s
